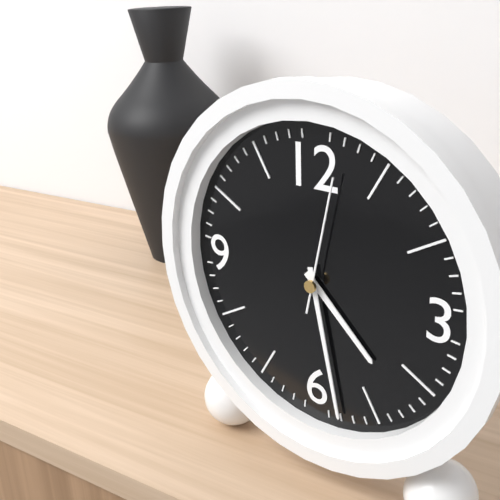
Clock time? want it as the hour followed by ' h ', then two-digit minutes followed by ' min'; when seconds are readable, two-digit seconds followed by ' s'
4 h 28 min 02 s
